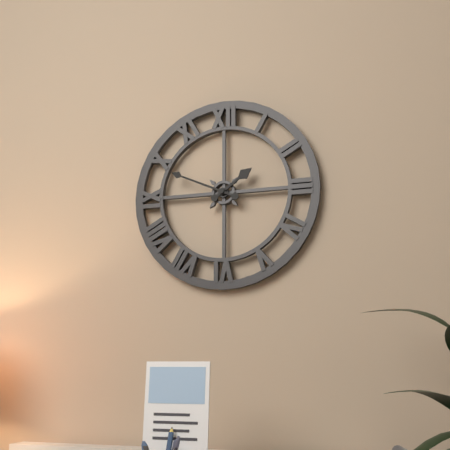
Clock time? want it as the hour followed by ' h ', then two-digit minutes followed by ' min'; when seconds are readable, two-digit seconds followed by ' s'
1 h 49 min
